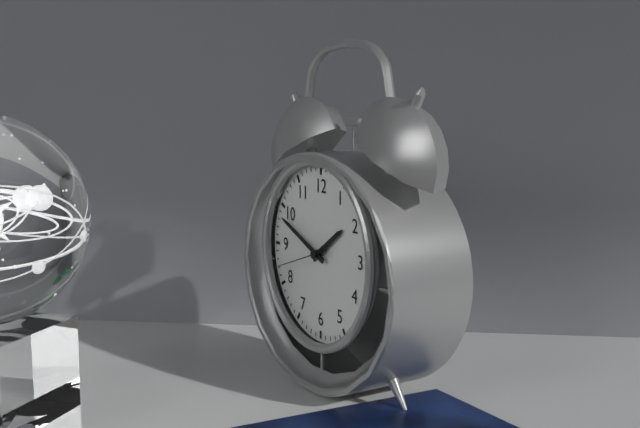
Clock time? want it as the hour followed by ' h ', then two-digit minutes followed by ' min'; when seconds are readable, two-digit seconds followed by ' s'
1 h 49 min 42 s
